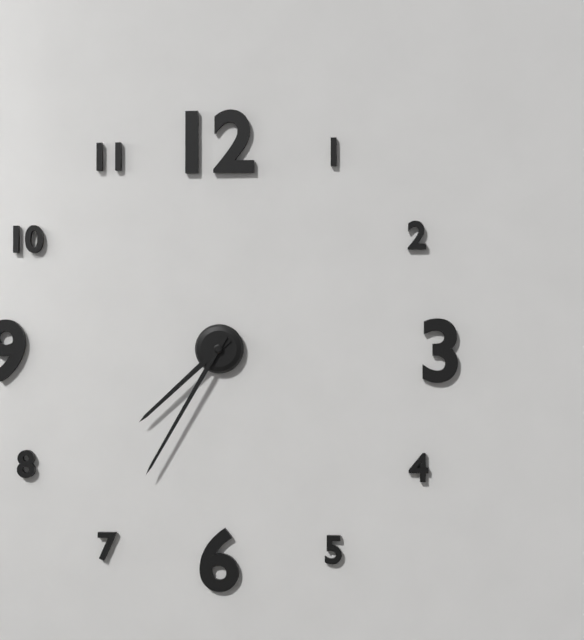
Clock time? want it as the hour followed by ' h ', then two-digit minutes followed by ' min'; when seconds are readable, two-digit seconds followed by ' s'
7 h 35 min
